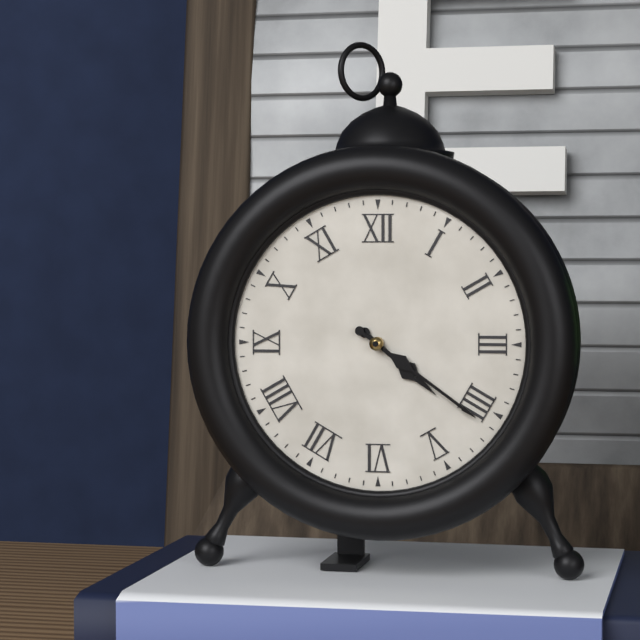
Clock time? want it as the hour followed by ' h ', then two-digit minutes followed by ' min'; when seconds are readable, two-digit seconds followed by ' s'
4 h 21 min
